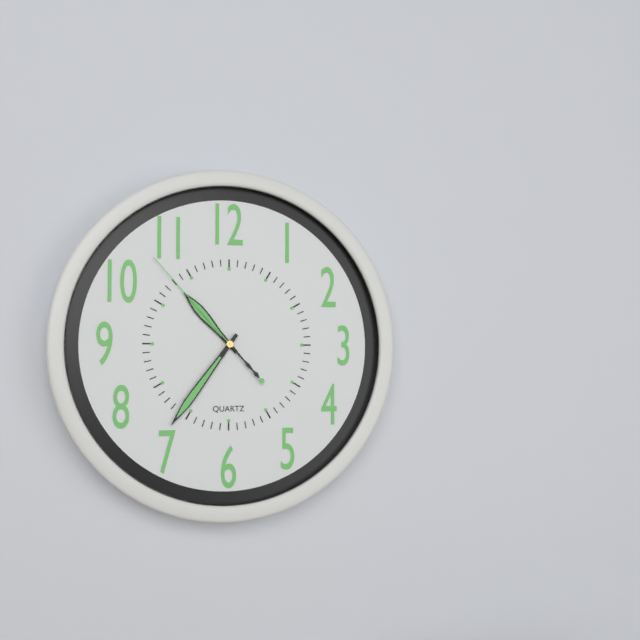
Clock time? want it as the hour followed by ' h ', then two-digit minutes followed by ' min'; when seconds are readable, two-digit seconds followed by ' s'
10 h 36 min 53 s
